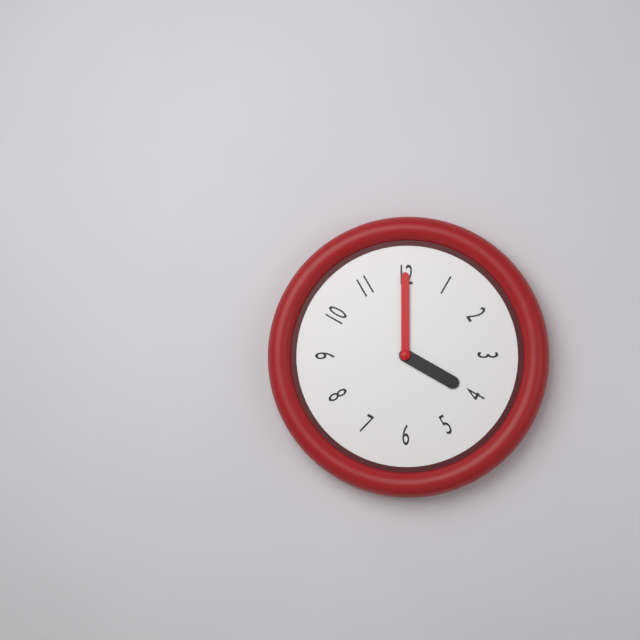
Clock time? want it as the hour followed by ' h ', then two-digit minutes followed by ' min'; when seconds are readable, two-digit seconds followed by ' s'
4 h 00 min
